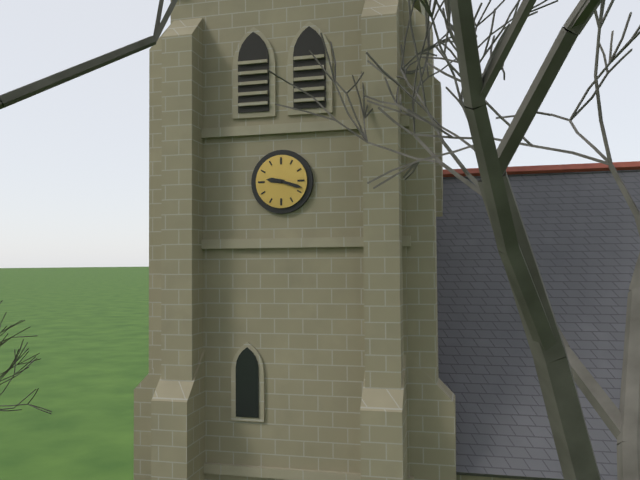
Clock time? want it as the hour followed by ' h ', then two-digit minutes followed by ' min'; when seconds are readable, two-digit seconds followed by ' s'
9 h 18 min
